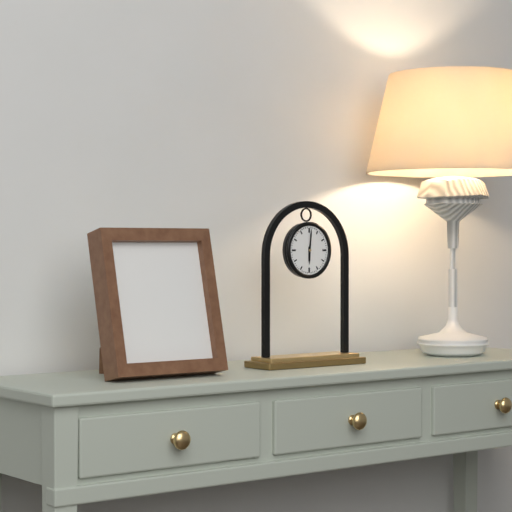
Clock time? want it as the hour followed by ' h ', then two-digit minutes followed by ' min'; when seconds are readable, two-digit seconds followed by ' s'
6 h 01 min
